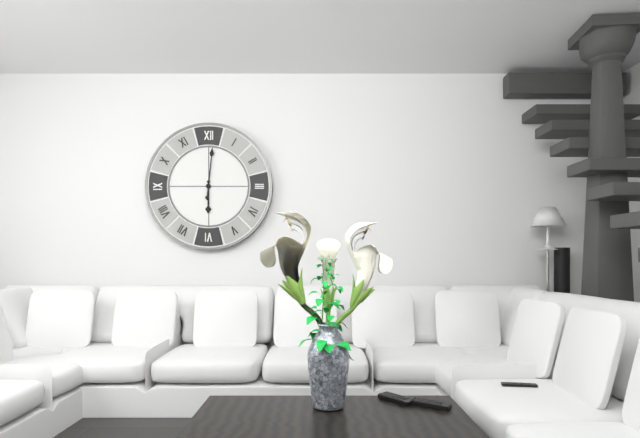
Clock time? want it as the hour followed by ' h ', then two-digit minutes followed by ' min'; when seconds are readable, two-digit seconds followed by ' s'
6 h 01 min
